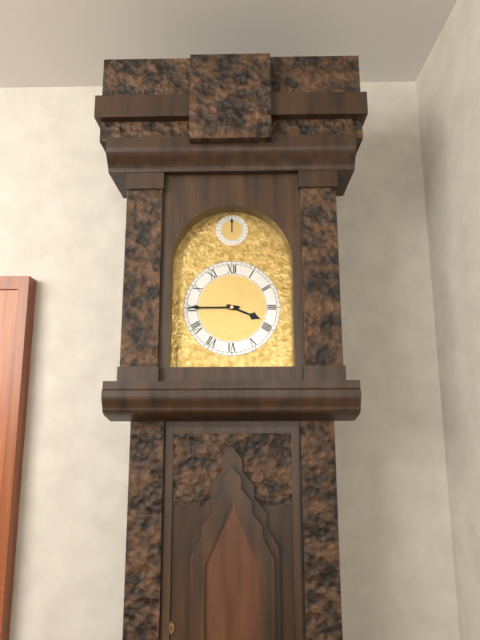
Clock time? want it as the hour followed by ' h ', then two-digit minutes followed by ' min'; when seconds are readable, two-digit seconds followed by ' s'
3 h 45 min
